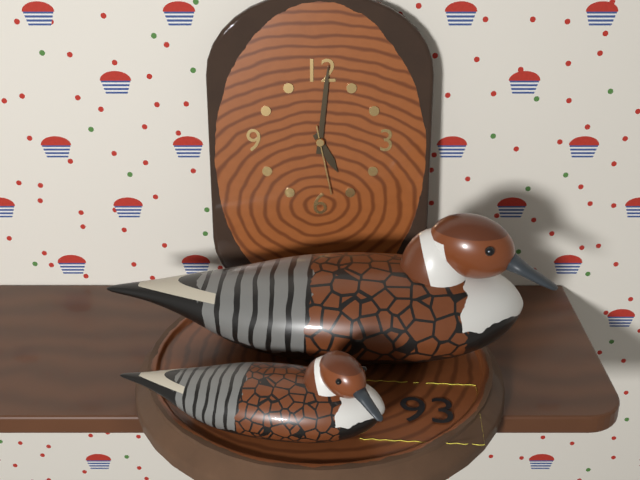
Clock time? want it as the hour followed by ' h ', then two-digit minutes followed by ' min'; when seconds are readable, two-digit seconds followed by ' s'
5 h 01 min 28 s
